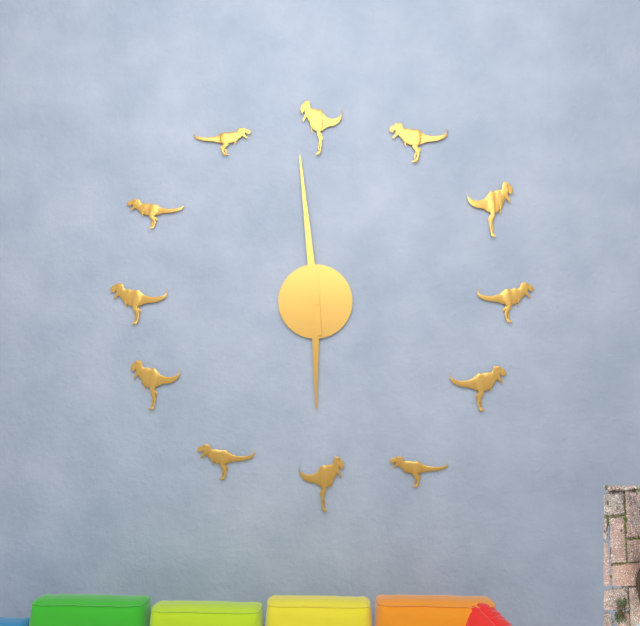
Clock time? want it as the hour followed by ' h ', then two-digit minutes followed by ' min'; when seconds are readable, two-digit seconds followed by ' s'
5 h 59 min
